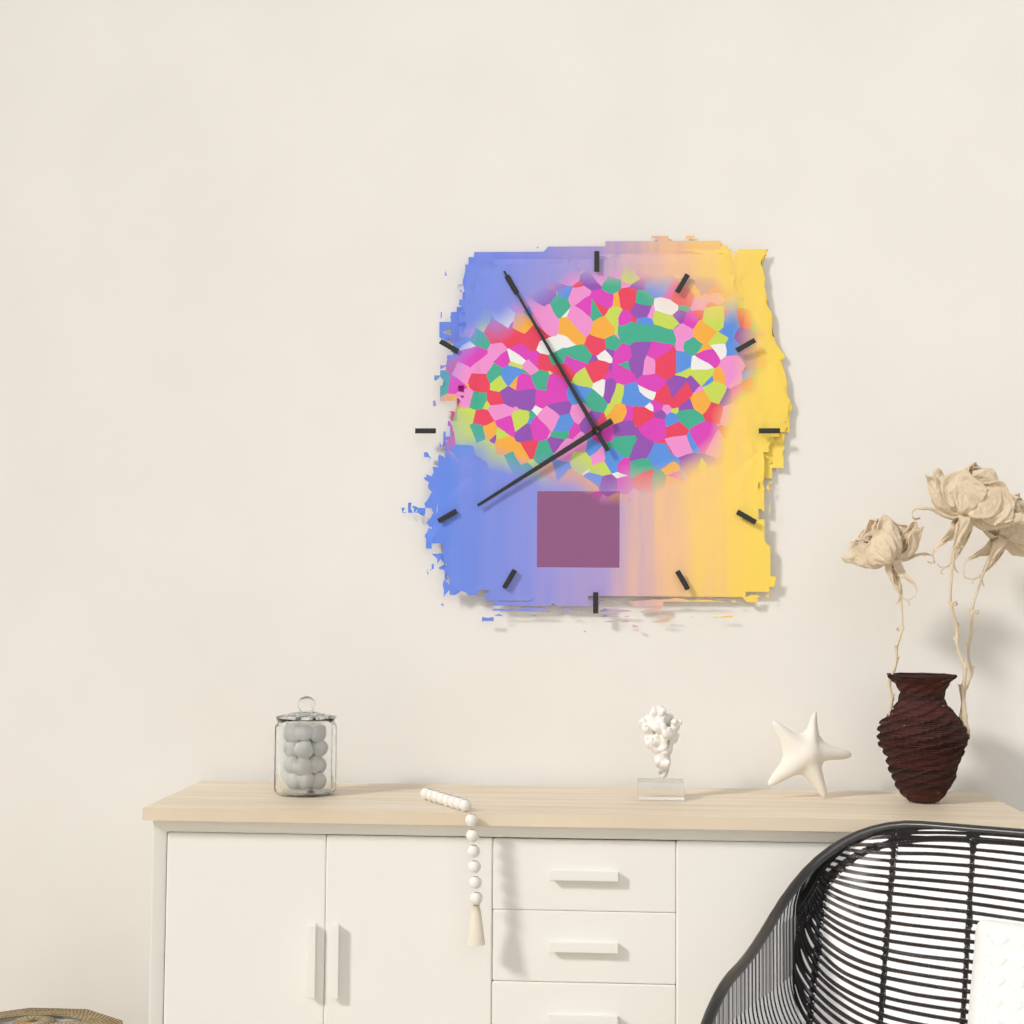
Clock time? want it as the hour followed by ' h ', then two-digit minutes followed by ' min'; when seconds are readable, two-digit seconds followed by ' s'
7 h 55 min
